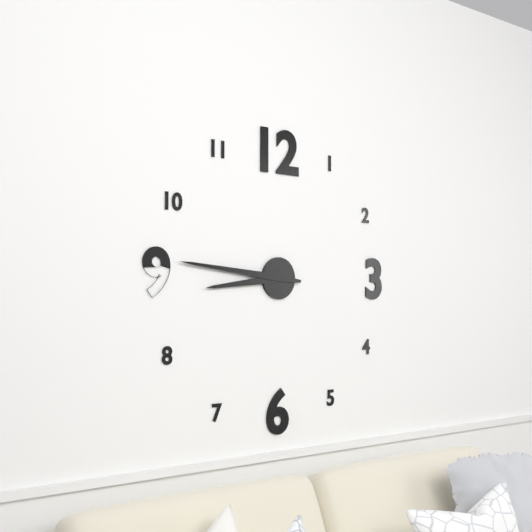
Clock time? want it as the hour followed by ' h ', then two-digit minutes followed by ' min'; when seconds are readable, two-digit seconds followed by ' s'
8 h 46 min
